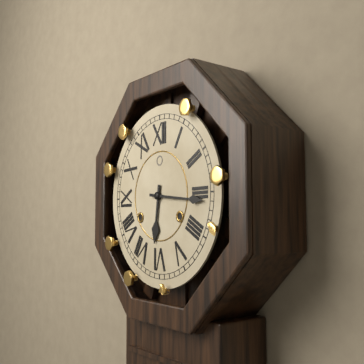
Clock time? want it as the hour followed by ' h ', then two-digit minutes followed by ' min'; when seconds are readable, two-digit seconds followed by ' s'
6 h 16 min
